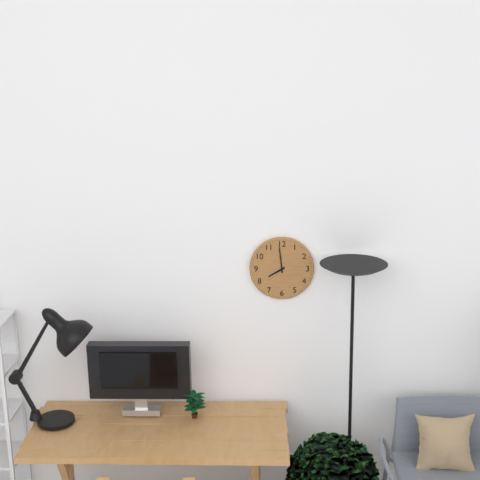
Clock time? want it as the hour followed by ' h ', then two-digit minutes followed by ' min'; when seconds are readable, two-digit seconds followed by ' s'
7 h 59 min
